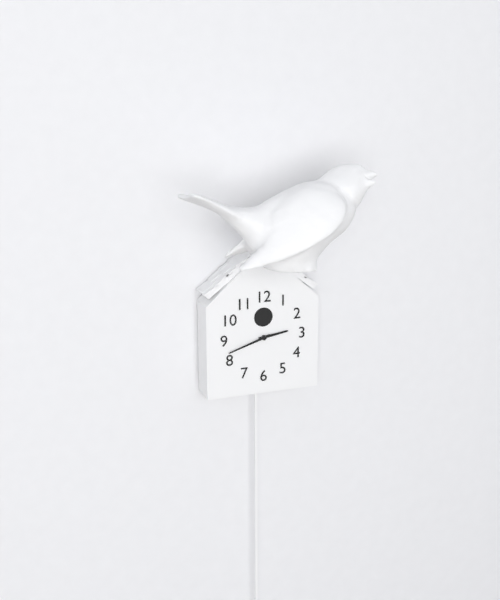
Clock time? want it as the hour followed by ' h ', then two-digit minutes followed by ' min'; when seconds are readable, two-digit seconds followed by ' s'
2 h 42 min
